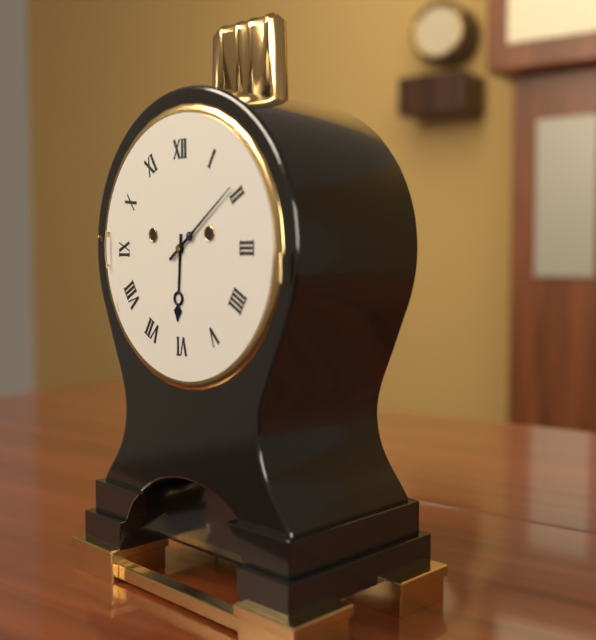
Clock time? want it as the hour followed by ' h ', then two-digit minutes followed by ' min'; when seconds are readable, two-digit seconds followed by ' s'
6 h 09 min
